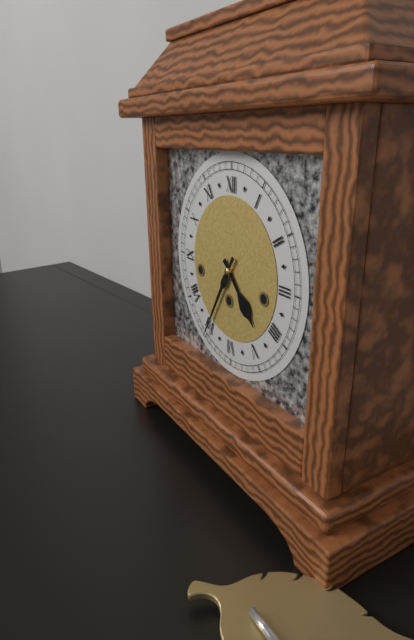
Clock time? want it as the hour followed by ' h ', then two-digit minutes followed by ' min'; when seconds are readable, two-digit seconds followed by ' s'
4 h 35 min
